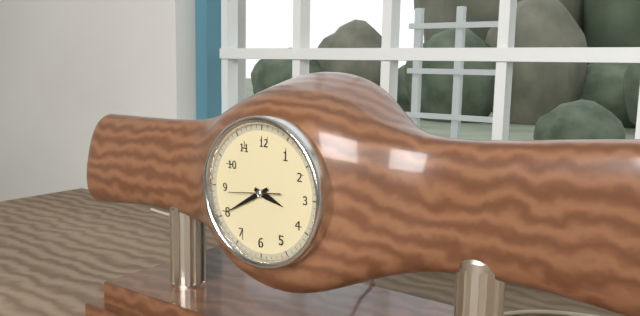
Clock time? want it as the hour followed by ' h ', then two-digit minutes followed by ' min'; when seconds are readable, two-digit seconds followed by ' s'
3 h 40 min
